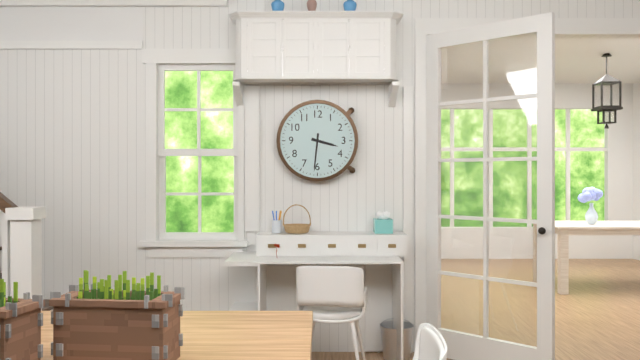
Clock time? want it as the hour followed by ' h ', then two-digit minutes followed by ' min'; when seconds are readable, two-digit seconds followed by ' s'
3 h 31 min
